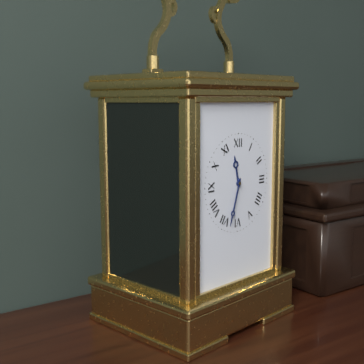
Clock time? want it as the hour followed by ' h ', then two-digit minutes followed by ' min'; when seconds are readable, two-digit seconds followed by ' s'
11 h 33 min
